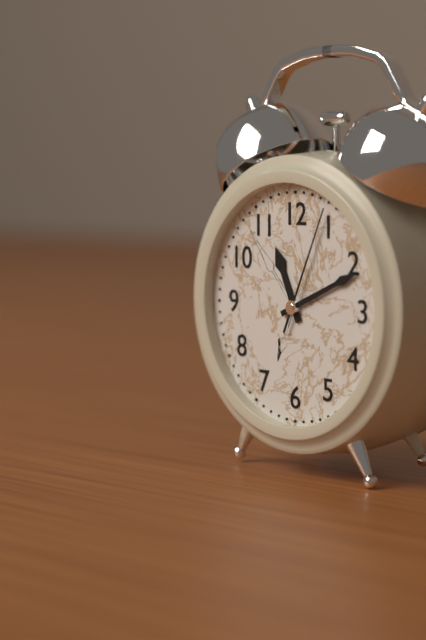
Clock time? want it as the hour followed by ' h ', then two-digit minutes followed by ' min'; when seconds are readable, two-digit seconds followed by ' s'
11 h 11 min 04 s
